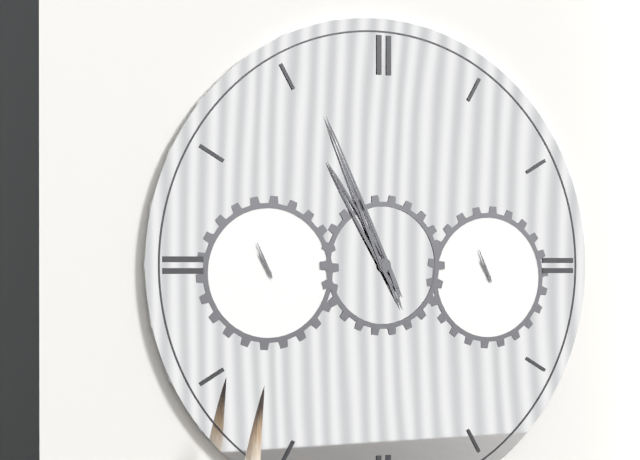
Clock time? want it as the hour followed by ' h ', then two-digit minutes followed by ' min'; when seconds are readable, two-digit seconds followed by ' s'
10 h 56 min
